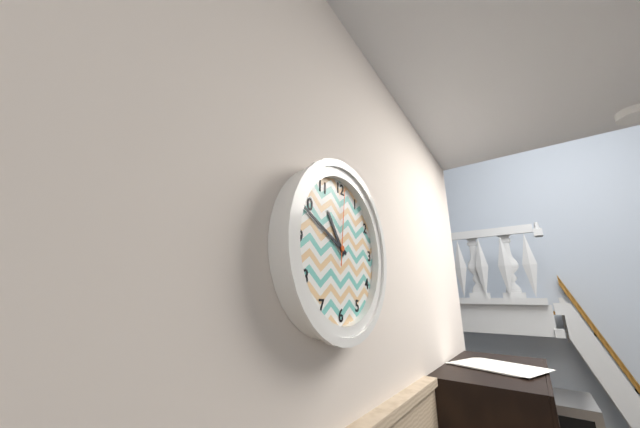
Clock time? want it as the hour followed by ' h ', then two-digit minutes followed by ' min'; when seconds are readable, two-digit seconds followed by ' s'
10 h 49 min 01 s
